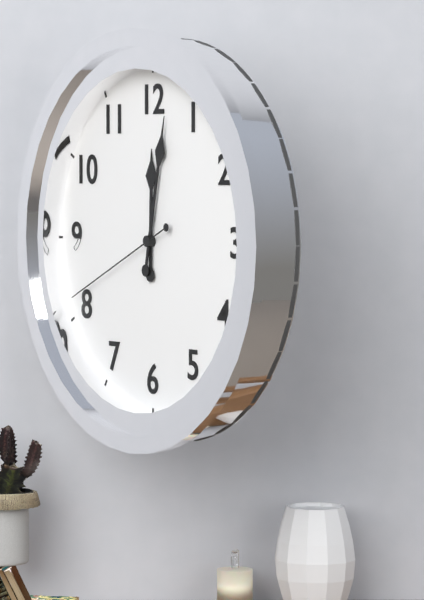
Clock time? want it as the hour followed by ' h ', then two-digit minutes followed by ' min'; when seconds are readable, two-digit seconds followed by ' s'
12 h 02 min 41 s
